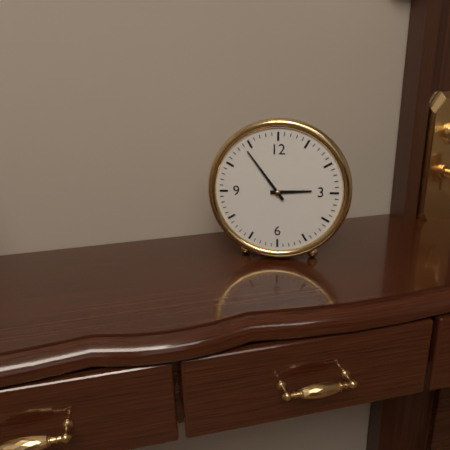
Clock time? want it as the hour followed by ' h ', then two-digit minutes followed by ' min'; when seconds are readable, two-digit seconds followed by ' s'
2 h 54 min
